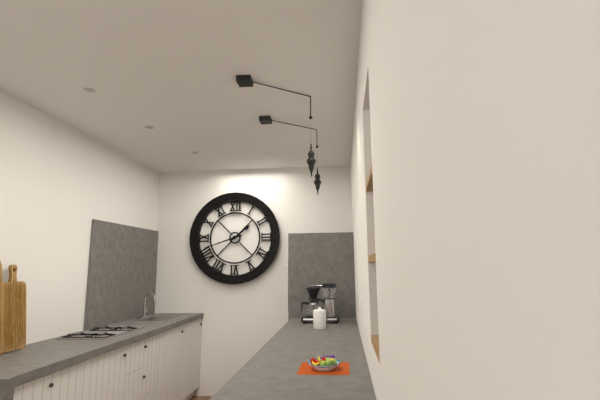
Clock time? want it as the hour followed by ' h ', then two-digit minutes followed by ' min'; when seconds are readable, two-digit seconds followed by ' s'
1 h 42 min
